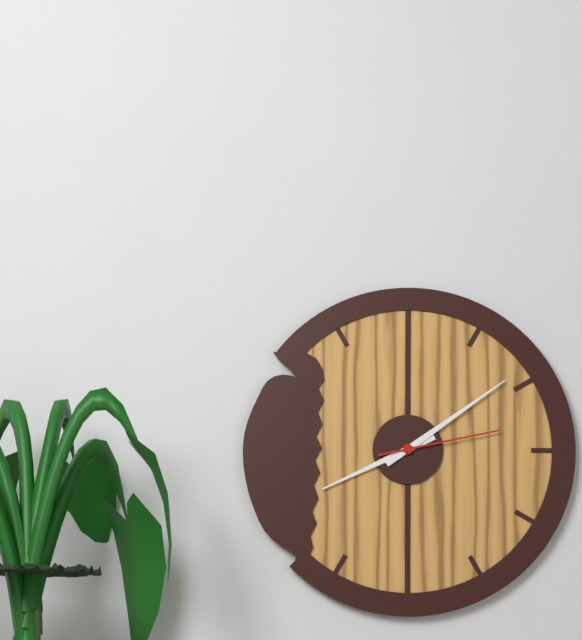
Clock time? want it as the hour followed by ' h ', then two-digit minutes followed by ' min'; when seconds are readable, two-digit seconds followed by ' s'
8 h 09 min 13 s
